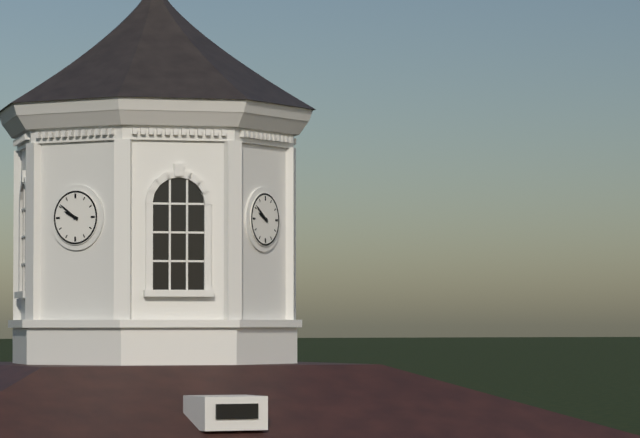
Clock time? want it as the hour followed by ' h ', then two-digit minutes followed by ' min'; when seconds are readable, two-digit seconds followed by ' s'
9 h 51 min
